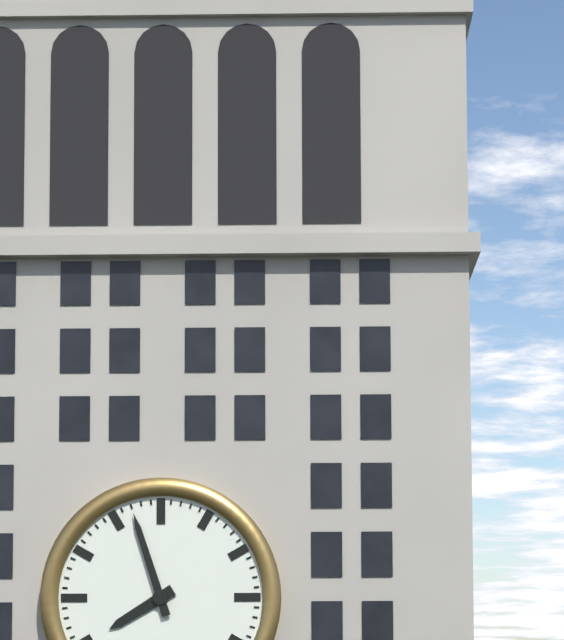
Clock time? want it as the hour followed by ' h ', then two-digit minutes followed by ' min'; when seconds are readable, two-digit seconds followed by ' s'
7 h 57 min
